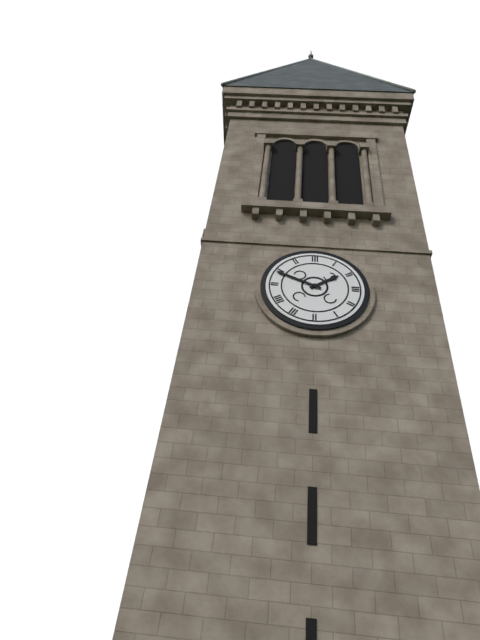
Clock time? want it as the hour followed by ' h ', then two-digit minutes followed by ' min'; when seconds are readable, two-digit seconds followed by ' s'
1 h 49 min
